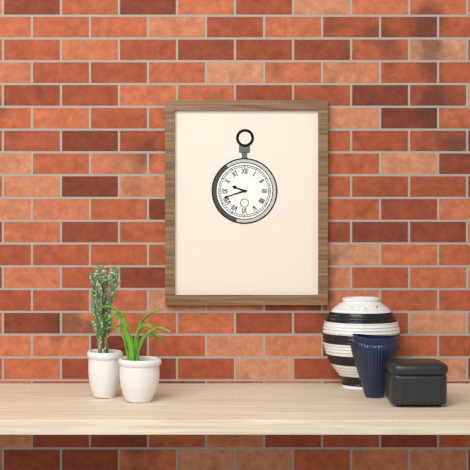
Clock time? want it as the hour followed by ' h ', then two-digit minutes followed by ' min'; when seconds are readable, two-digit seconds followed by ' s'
9 h 42 min
